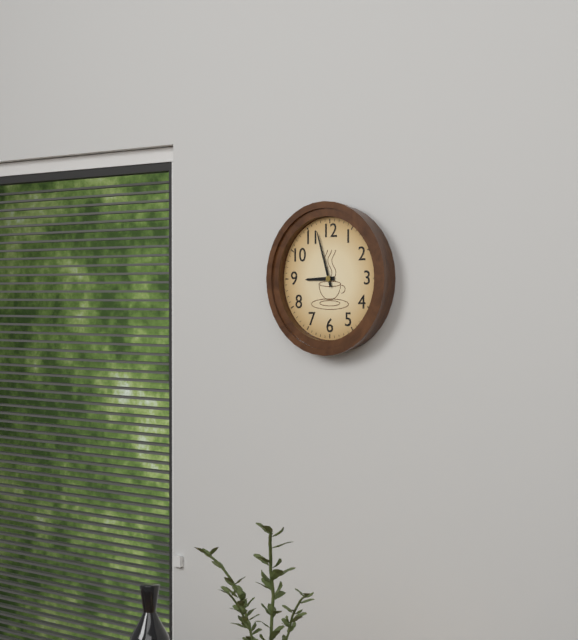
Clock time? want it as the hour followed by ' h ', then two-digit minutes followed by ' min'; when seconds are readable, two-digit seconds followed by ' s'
8 h 57 min
